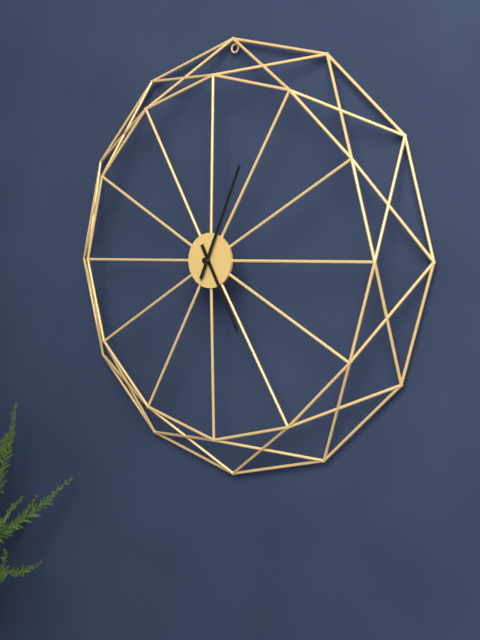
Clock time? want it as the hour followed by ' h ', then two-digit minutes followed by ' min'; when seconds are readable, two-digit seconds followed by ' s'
5 h 04 min
